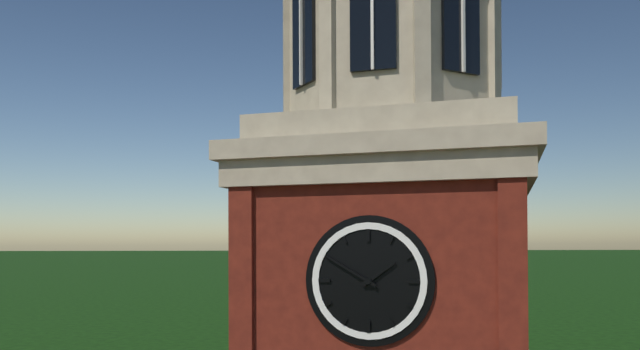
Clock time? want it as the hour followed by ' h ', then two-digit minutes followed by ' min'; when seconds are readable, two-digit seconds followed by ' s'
1 h 50 min
